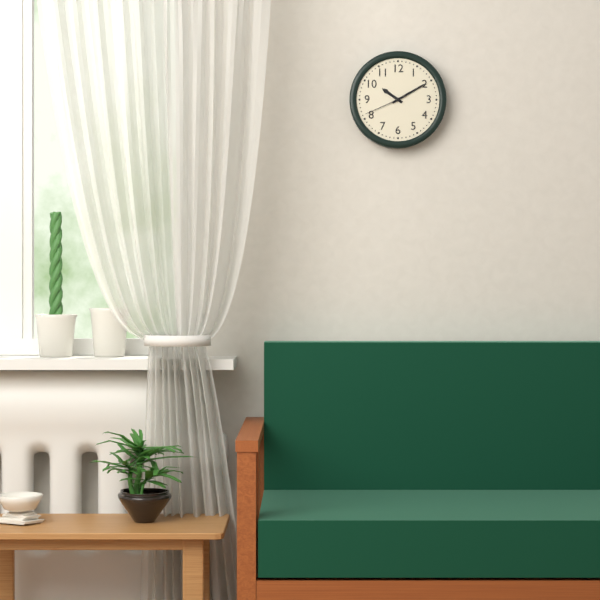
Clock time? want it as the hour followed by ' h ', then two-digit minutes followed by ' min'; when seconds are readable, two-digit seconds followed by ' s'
10 h 10 min
